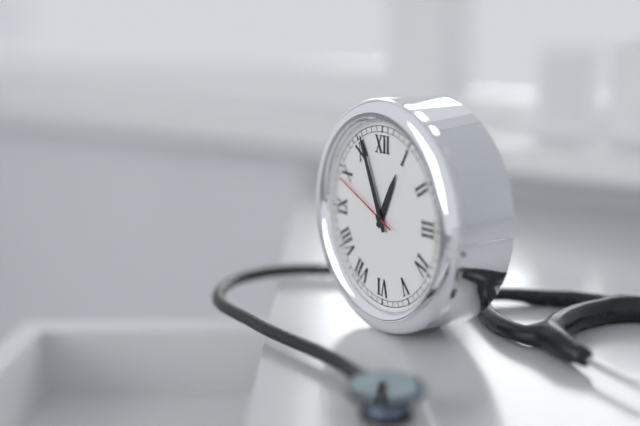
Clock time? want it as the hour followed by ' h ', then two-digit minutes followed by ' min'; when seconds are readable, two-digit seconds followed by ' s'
12 h 56 min 49 s
